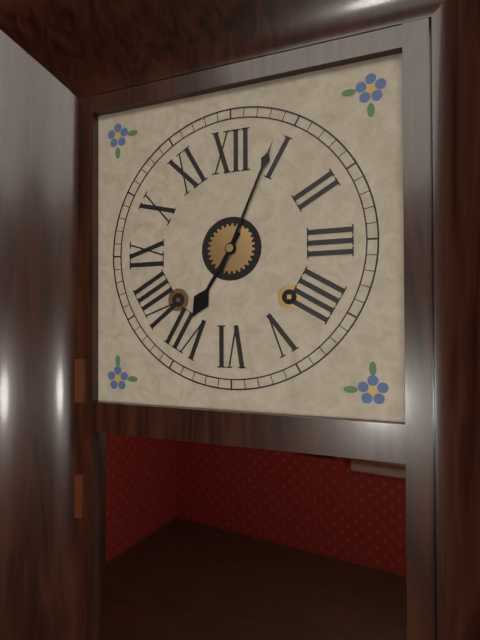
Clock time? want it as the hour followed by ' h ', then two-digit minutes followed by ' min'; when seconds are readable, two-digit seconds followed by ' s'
7 h 04 min
